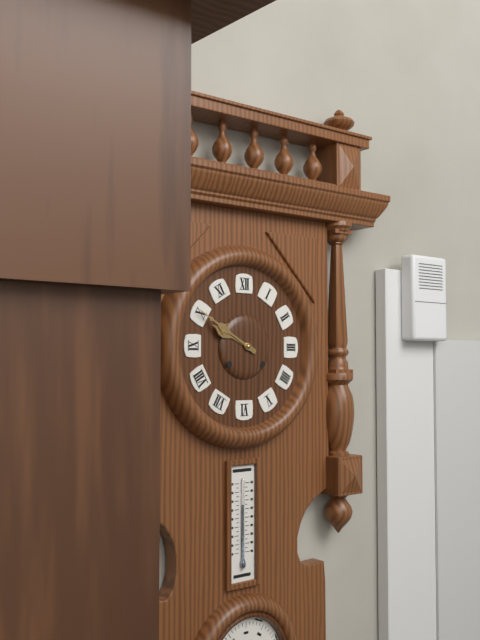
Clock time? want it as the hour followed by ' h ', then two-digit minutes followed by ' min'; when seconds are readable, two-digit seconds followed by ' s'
9 h 50 min
